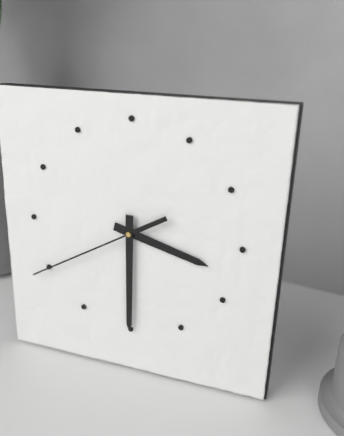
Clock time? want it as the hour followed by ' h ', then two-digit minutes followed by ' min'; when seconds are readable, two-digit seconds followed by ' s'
3 h 30 min 40 s
